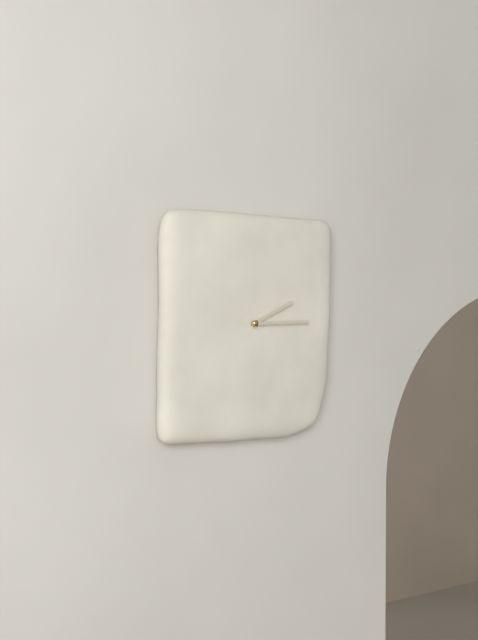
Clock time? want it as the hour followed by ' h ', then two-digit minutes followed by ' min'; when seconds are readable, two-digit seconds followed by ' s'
2 h 15 min
